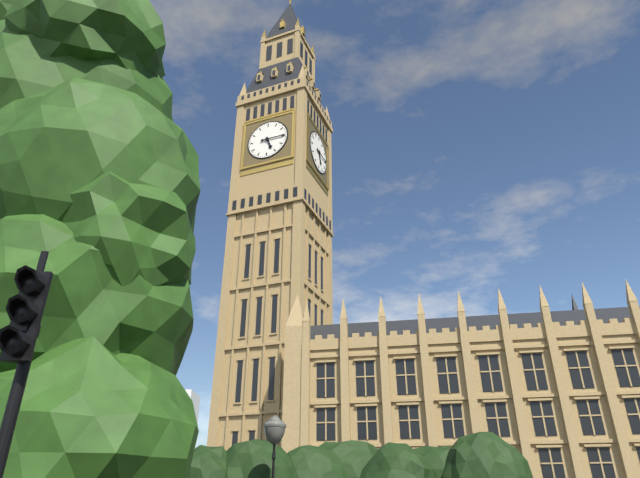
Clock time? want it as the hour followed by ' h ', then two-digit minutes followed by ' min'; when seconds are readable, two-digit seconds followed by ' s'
5 h 15 min
